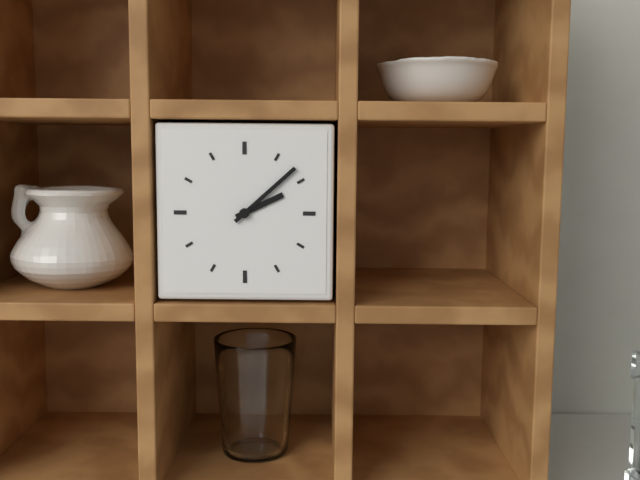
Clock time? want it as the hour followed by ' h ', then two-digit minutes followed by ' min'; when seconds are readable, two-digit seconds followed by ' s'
2 h 08 min
